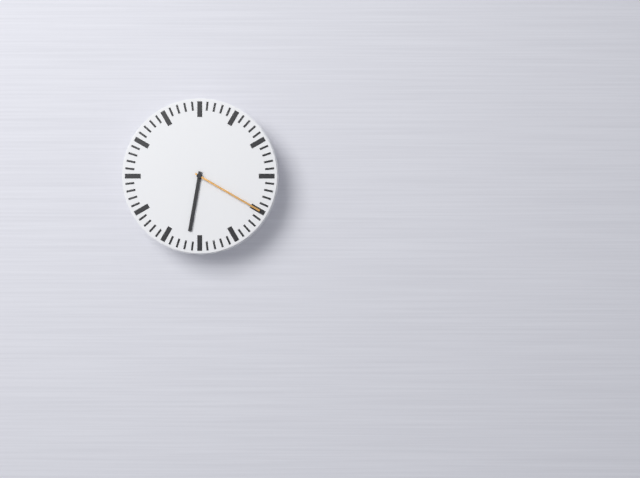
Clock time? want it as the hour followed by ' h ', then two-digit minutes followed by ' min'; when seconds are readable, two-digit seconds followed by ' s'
6 h 20 min
